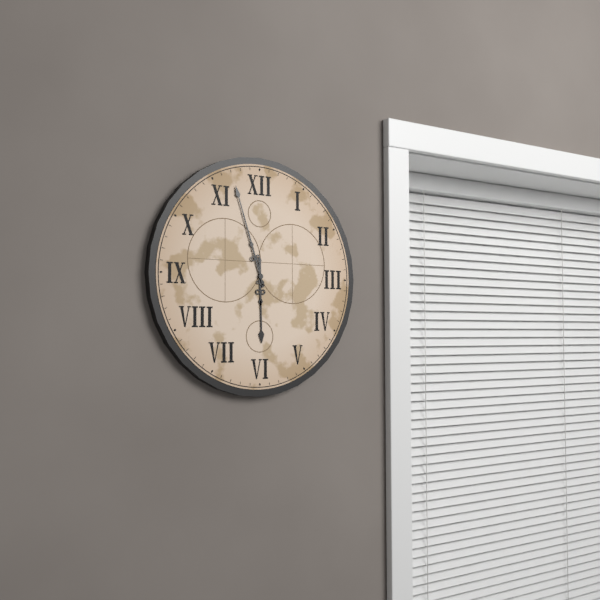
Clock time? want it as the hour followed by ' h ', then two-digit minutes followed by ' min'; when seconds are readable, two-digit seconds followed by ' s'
5 h 57 min
